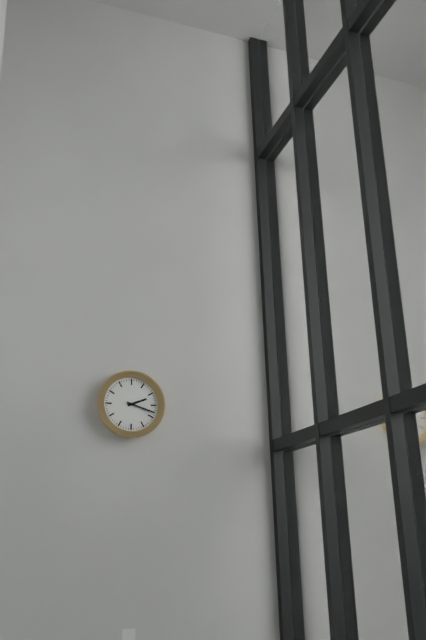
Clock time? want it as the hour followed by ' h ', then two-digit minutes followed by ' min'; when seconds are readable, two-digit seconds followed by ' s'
2 h 18 min
